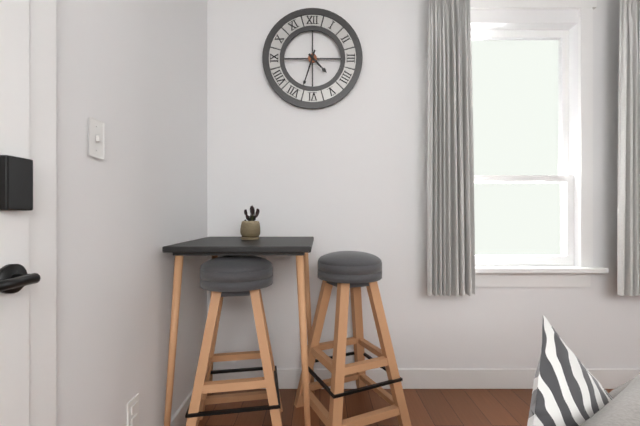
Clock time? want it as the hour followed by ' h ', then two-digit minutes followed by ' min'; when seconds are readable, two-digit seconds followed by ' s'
4 h 33 min
